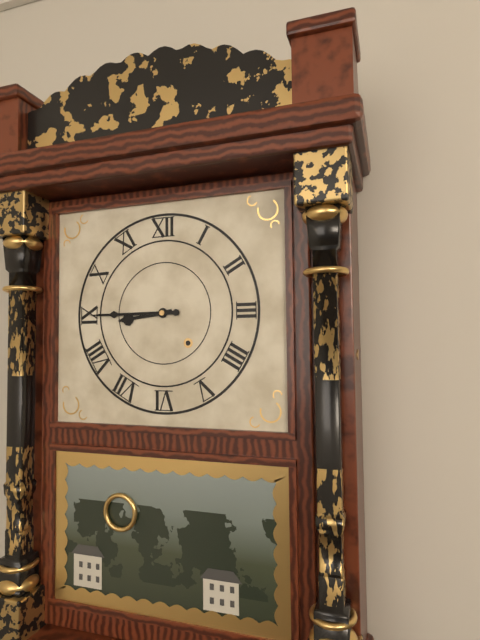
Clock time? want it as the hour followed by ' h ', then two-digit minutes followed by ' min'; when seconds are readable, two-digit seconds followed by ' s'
8 h 45 min
